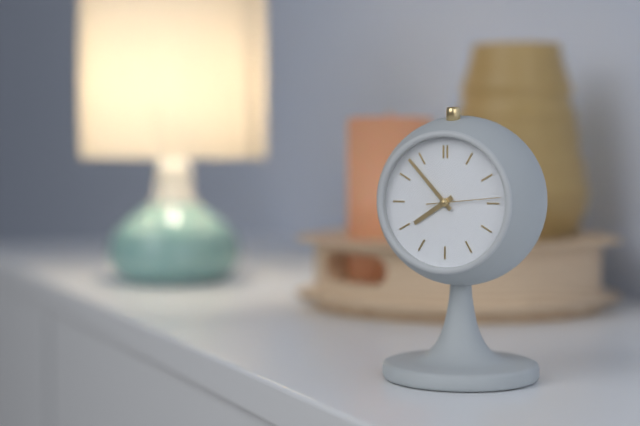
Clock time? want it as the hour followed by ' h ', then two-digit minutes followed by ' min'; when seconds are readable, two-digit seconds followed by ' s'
7 h 53 min 14 s
